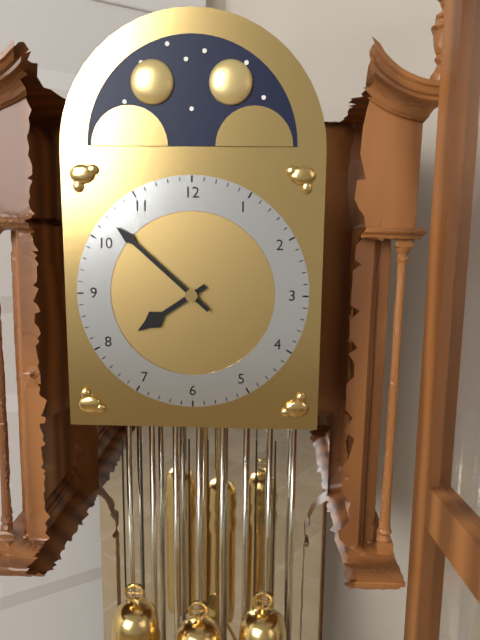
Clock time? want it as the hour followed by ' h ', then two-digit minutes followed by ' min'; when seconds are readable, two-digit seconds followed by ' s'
7 h 52 min
